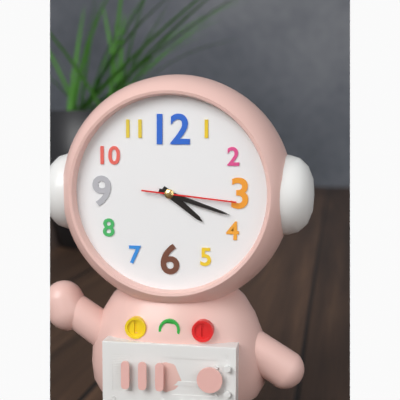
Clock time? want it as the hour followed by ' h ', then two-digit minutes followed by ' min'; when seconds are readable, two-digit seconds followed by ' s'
4 h 18 min 16 s
